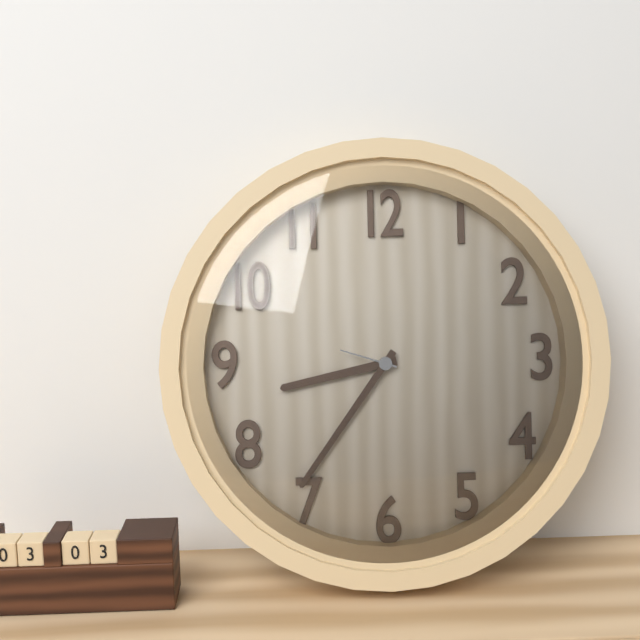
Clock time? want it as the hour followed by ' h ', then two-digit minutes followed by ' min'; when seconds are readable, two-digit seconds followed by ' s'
8 h 36 min 48 s
